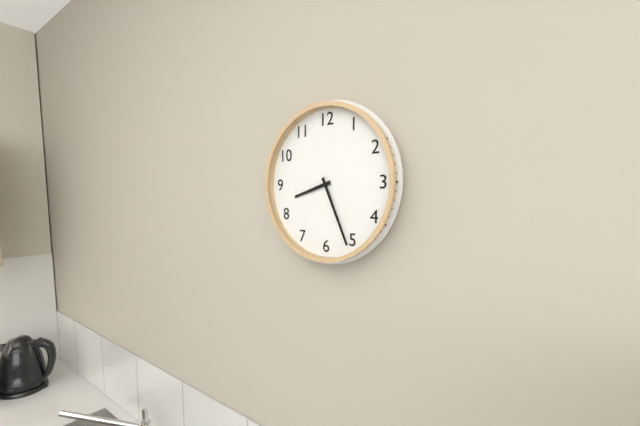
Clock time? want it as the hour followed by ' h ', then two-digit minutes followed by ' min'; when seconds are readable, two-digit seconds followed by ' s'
8 h 26 min
